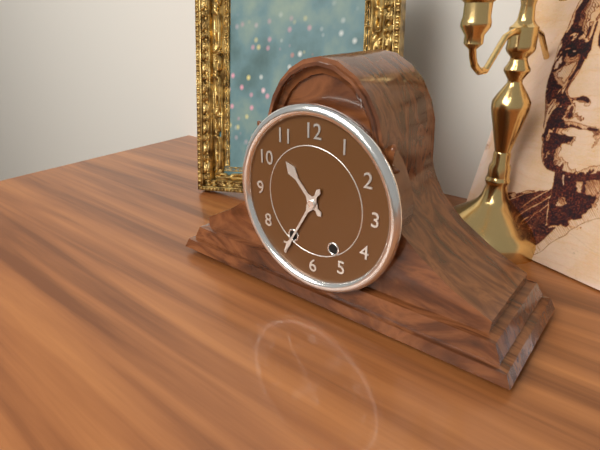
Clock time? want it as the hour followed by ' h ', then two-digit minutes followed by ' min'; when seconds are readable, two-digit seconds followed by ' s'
10 h 35 min
